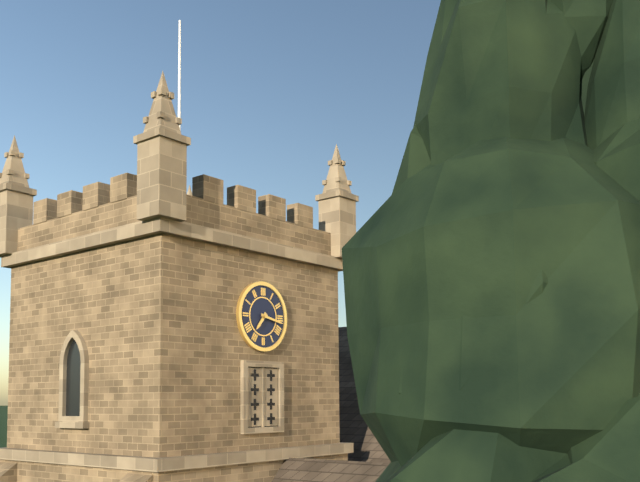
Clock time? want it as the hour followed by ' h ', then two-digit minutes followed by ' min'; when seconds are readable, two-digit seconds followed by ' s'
7 h 17 min
